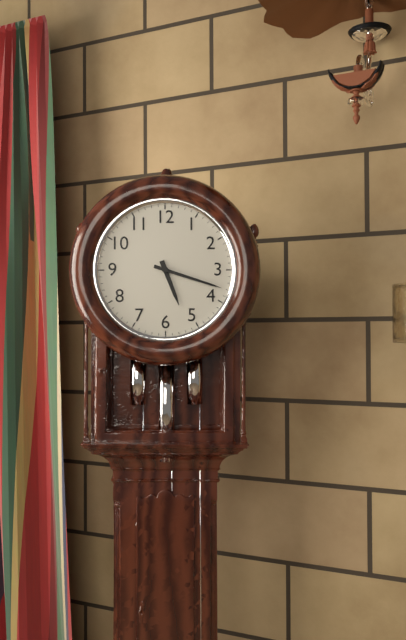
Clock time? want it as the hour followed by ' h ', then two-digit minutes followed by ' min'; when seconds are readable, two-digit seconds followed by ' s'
5 h 18 min
